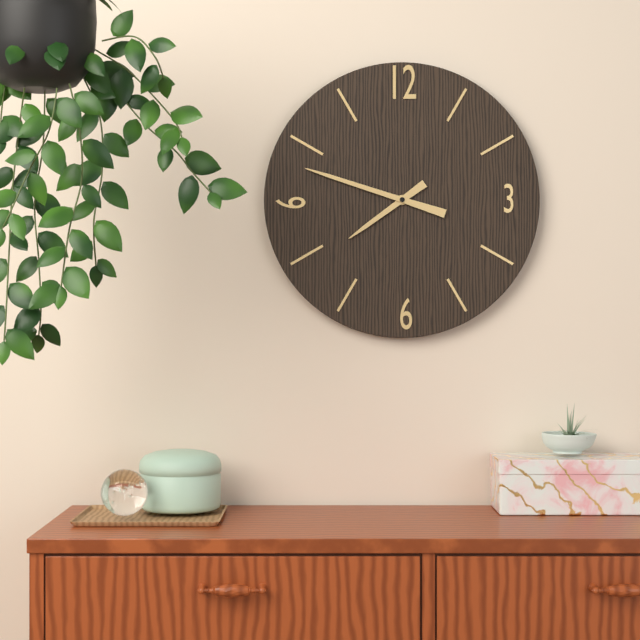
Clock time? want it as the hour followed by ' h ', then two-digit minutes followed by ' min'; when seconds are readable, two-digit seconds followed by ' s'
7 h 48 min
